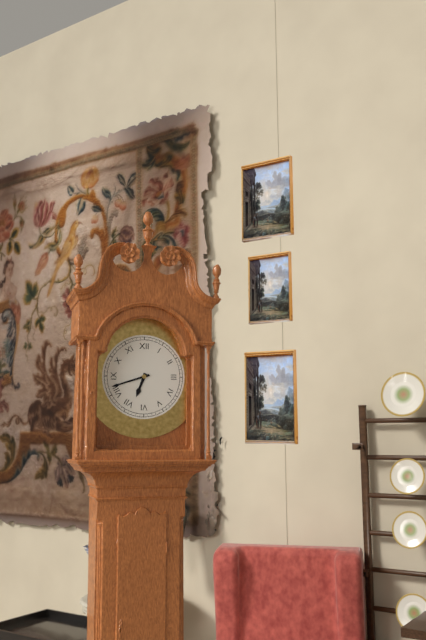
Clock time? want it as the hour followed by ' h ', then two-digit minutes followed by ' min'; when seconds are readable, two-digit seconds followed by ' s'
6 h 42 min
